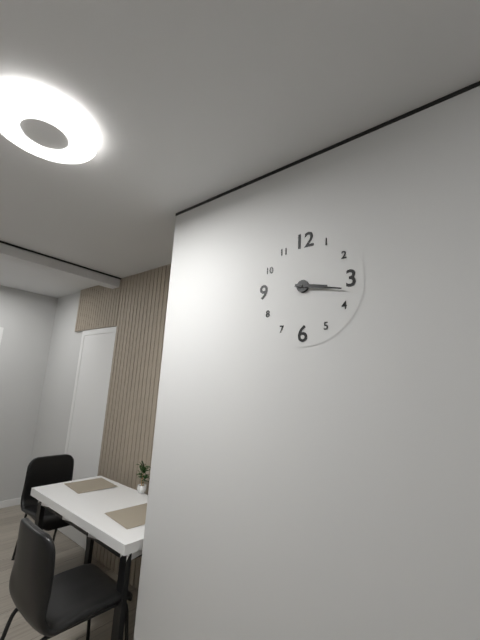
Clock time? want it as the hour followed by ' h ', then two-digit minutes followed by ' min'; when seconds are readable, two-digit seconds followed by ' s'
3 h 17 min
